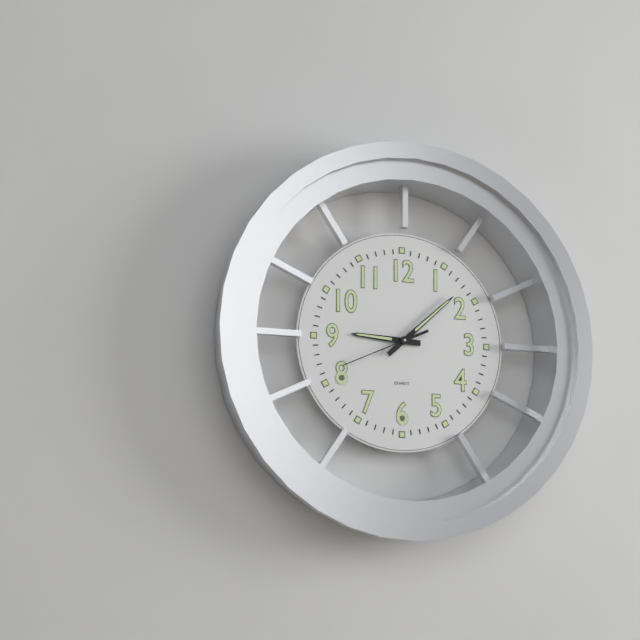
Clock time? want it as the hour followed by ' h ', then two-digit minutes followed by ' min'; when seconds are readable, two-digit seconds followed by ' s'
9 h 08 min 41 s
